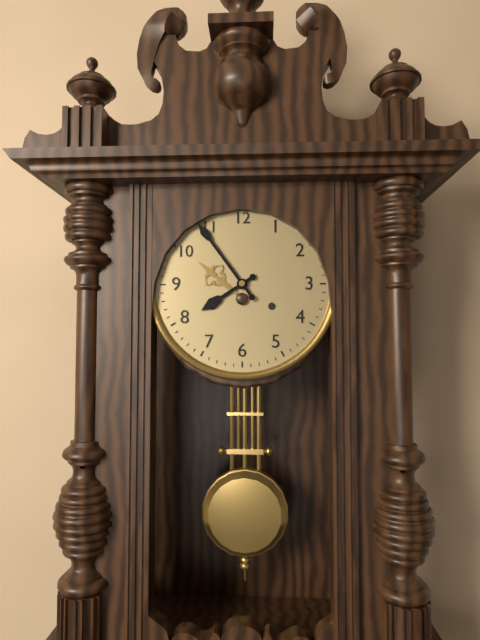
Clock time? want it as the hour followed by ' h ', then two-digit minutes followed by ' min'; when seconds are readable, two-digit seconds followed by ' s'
7 h 54 min
